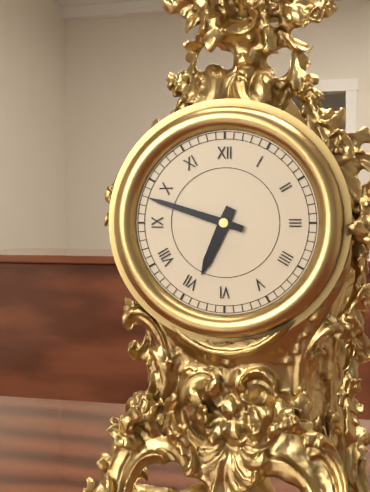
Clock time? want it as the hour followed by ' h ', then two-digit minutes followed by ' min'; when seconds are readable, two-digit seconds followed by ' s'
6 h 48 min
